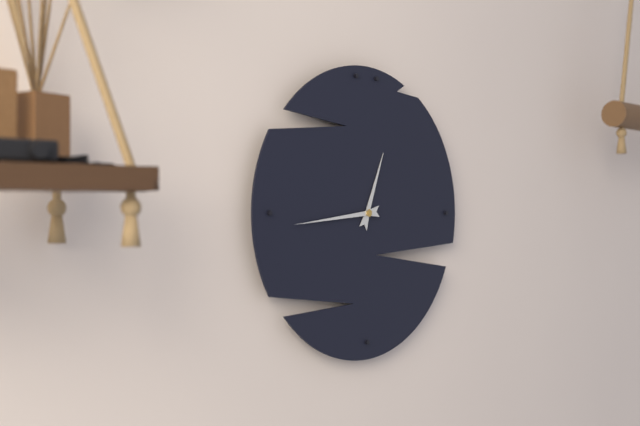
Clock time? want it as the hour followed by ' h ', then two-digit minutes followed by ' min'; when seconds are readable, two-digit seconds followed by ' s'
12 h 44 min
